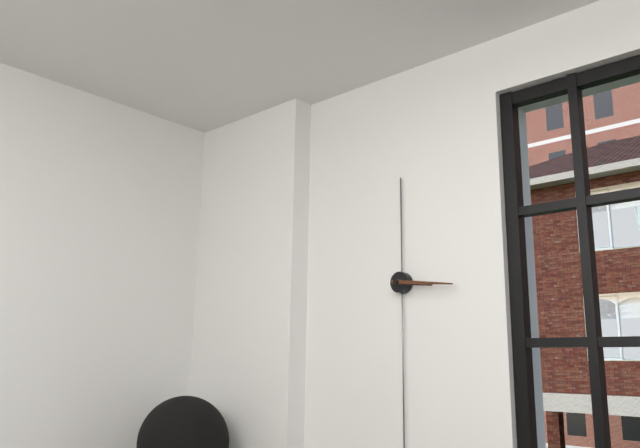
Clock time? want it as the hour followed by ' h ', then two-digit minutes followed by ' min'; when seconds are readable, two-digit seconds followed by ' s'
3 h 16 min
